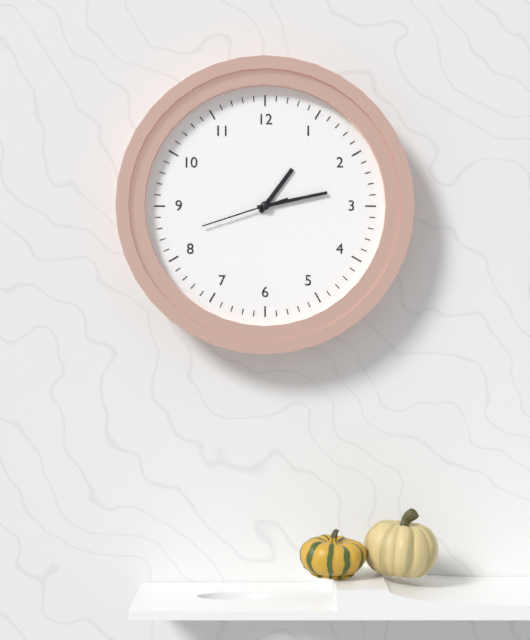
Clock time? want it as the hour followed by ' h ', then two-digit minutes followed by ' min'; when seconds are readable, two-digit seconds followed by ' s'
1 h 13 min 42 s
